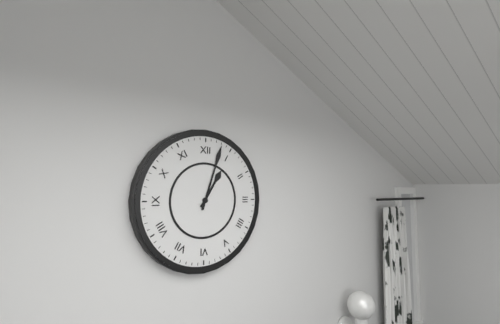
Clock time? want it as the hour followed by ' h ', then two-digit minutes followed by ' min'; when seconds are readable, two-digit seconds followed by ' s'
1 h 03 min
